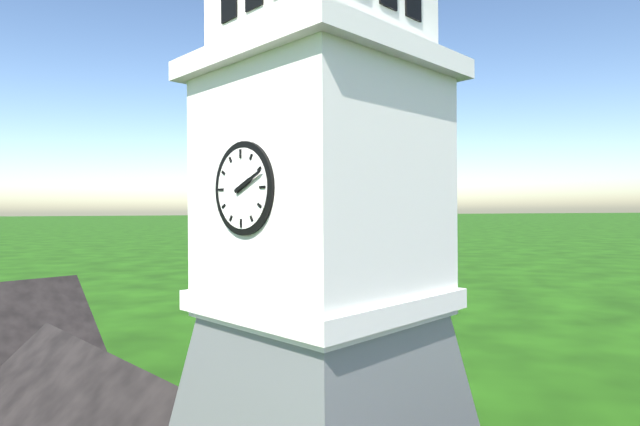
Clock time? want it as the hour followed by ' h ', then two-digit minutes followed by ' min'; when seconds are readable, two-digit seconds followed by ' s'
2 h 11 min
